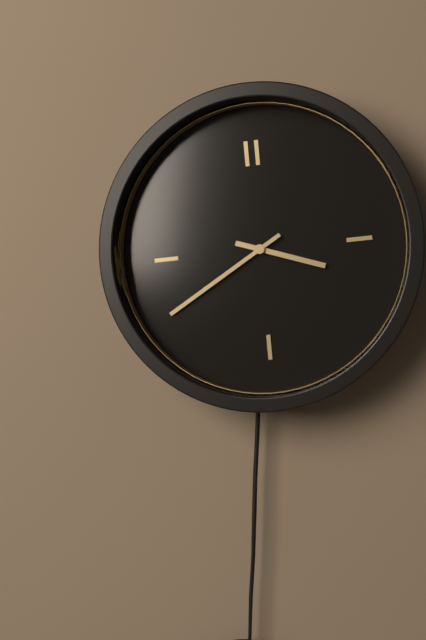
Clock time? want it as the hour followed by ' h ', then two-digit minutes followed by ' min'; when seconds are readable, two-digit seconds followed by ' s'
3 h 40 min
